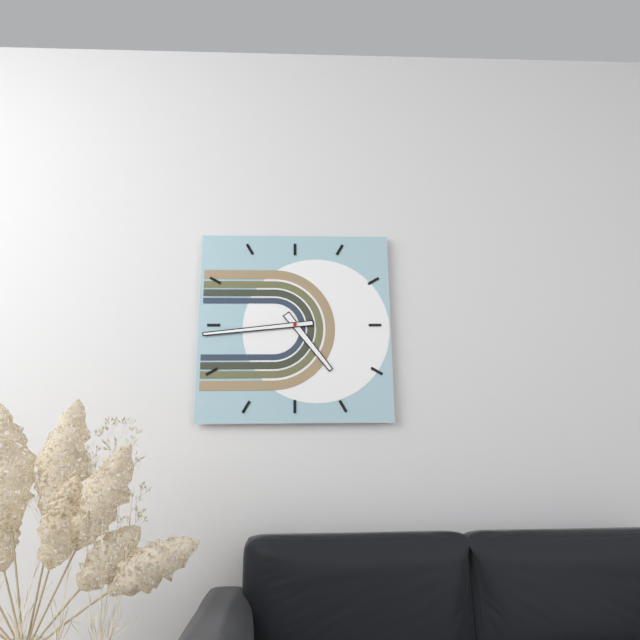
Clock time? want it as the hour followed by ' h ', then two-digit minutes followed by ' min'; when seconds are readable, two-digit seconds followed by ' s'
4 h 44 min
